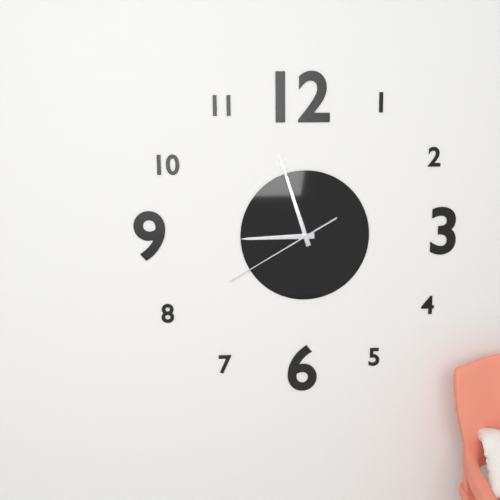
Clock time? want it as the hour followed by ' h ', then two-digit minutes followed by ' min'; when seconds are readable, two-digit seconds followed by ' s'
8 h 57 min 40 s
